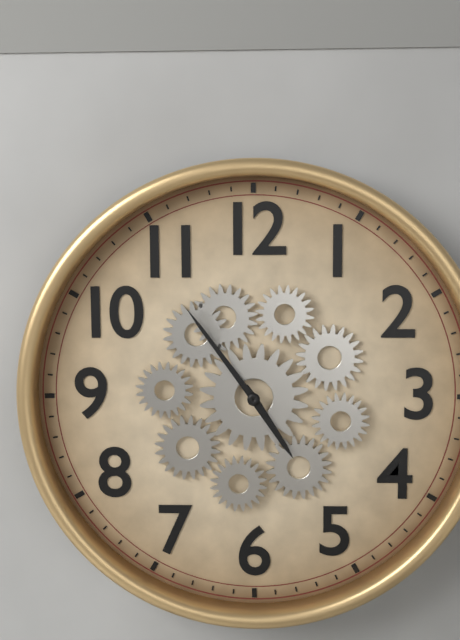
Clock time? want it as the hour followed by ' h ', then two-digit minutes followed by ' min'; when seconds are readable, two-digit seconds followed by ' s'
4 h 54 min
